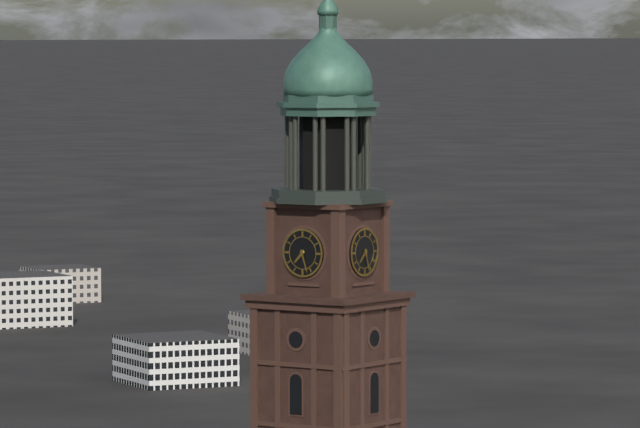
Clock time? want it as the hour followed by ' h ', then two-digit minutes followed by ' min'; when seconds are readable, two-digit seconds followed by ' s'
7 h 27 min
